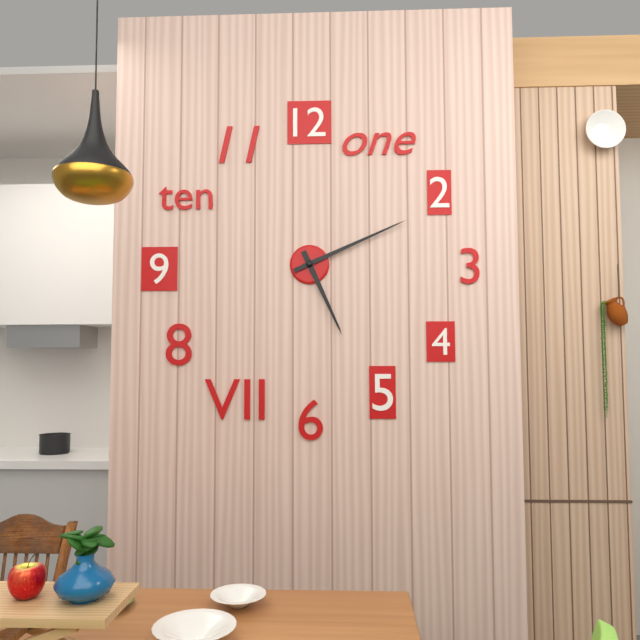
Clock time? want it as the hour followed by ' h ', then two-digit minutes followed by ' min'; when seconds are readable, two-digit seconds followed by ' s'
5 h 11 min
